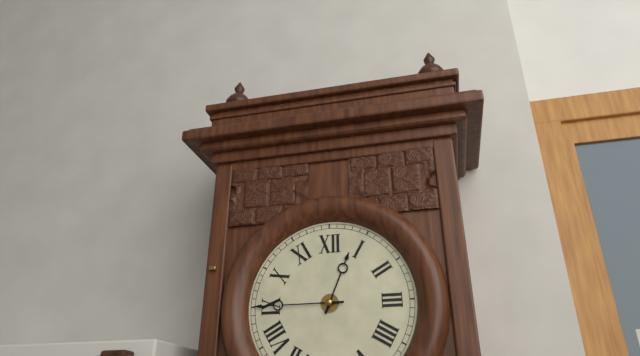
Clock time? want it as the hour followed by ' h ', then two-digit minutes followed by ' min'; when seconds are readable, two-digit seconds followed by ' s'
12 h 45 min
